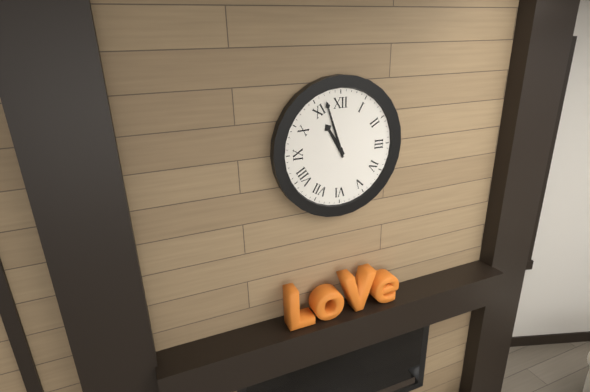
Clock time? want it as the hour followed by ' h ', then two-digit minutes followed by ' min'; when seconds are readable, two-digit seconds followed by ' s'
10 h 57 min
